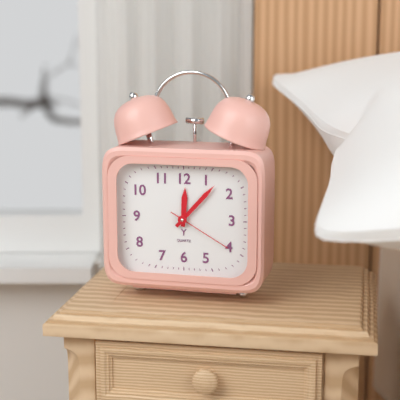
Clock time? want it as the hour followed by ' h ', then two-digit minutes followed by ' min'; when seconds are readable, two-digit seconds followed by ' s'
12 h 07 min 20 s
